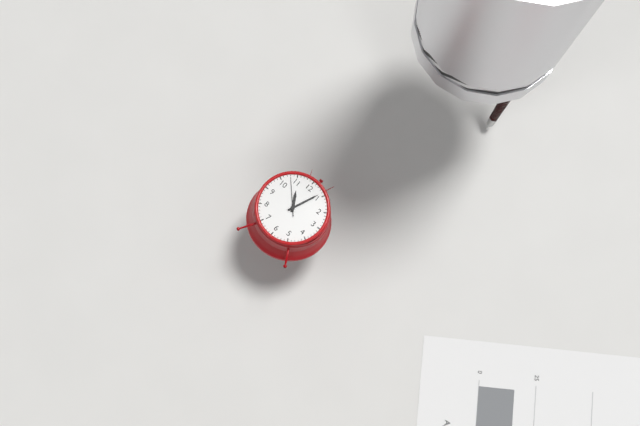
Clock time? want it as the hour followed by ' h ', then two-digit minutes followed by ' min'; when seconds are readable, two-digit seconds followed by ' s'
11 h 04 min
